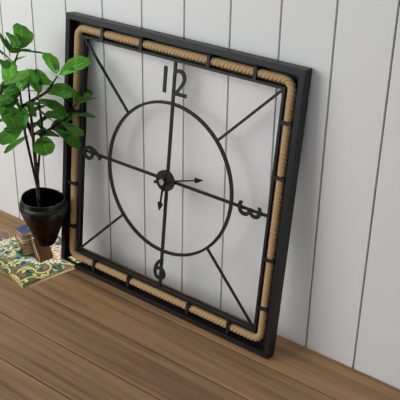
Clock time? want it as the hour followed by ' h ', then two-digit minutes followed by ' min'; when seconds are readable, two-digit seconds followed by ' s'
6 h 12 min
